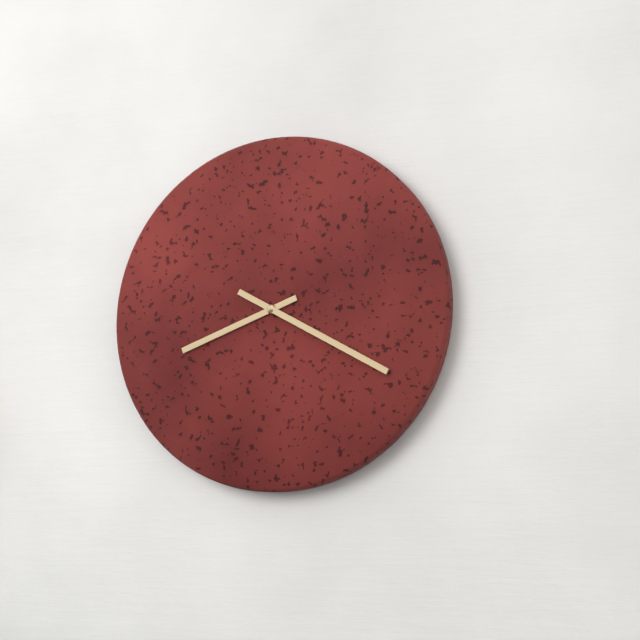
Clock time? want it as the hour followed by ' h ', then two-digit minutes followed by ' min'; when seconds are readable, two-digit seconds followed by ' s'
8 h 20 min
